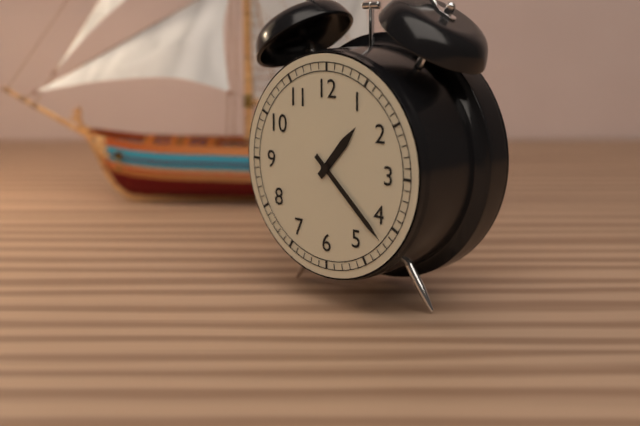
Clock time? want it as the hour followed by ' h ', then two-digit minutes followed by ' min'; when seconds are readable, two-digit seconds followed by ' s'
1 h 22 min
